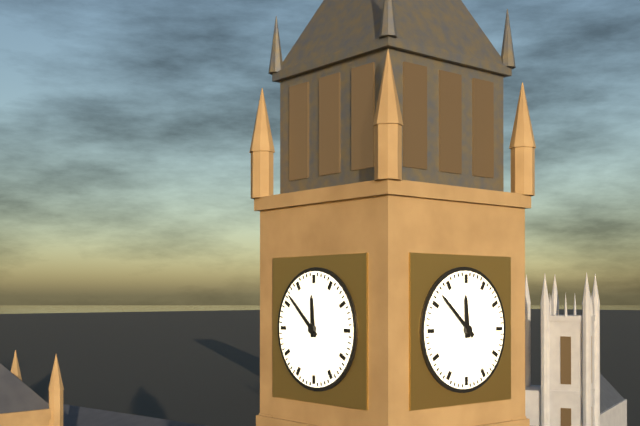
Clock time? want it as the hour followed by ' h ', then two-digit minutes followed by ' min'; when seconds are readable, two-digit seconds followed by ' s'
11 h 52 min
